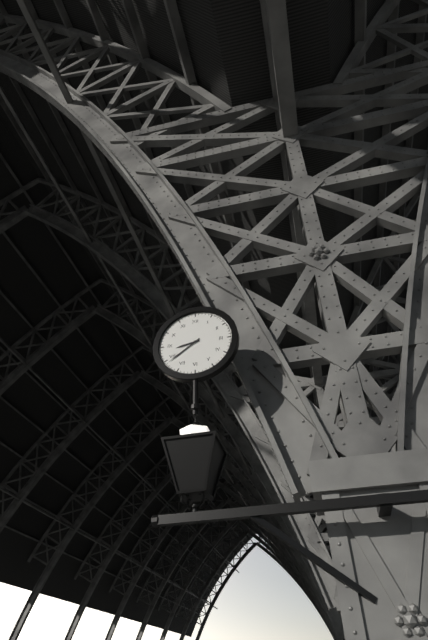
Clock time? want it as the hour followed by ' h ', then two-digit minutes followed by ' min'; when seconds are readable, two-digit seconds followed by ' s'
8 h 39 min
